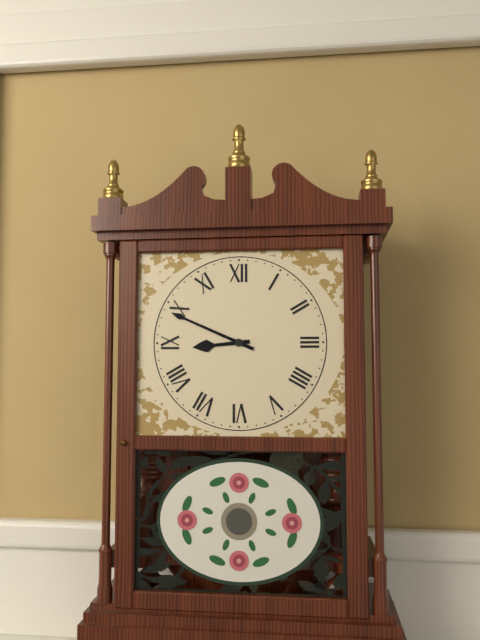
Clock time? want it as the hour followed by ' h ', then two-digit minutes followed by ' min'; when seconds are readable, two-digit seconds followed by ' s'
8 h 49 min
